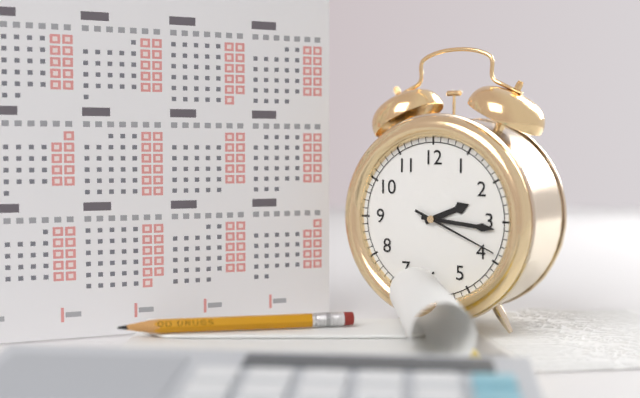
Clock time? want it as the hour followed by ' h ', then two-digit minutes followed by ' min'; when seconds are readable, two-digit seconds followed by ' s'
2 h 16 min 19 s
